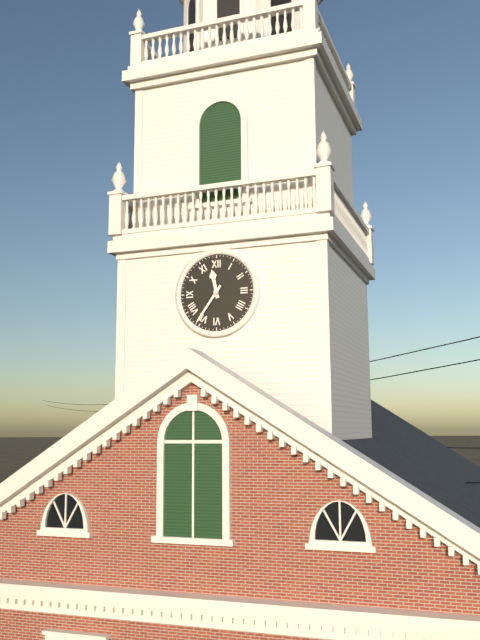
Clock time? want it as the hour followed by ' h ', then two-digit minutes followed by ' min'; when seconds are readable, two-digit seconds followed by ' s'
11 h 36 min
